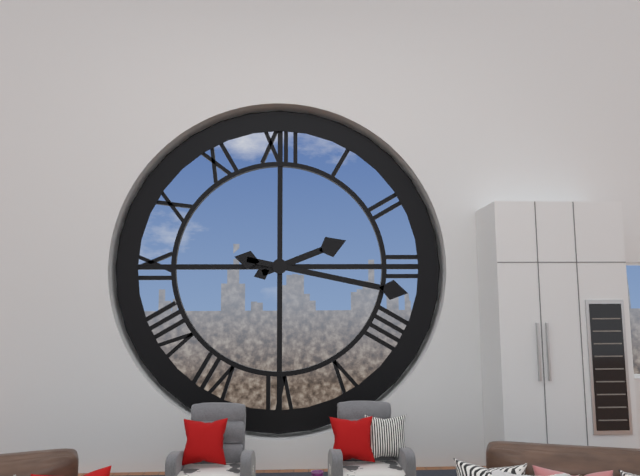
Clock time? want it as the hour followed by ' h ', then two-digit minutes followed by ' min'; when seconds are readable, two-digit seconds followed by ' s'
2 h 17 min
